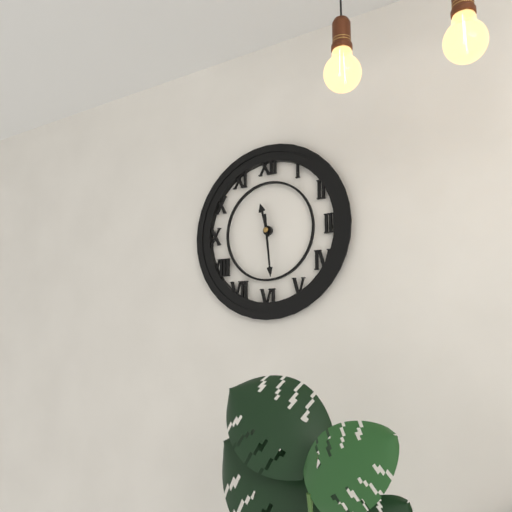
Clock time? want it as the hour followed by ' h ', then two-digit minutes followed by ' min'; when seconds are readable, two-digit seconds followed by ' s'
11 h 29 min
